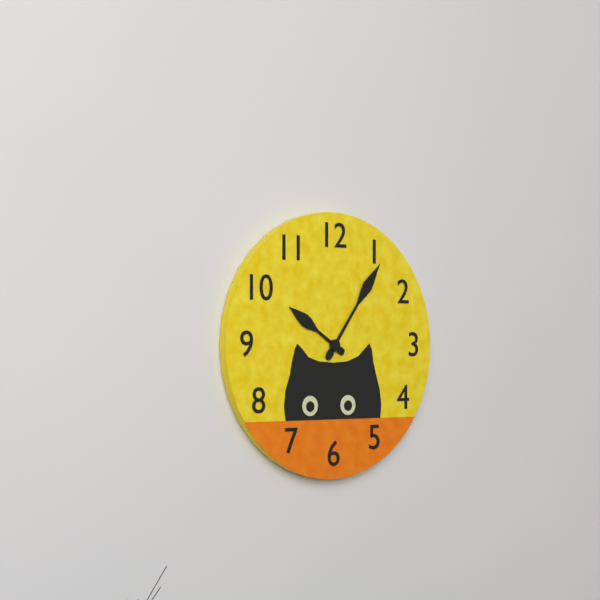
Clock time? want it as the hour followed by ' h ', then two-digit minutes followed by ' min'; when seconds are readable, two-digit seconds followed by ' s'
10 h 06 min
